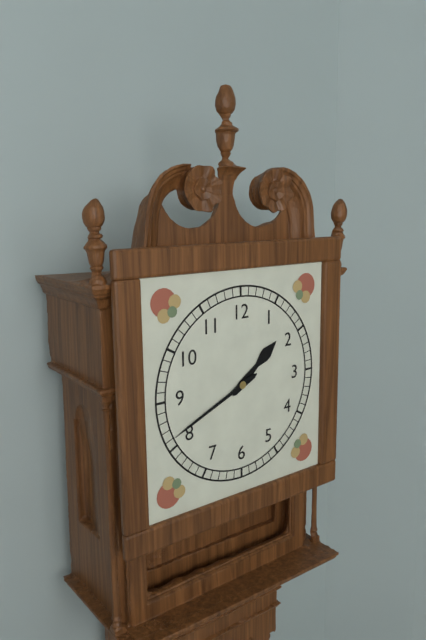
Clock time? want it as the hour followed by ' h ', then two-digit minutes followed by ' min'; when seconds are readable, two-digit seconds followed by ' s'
1 h 41 min
